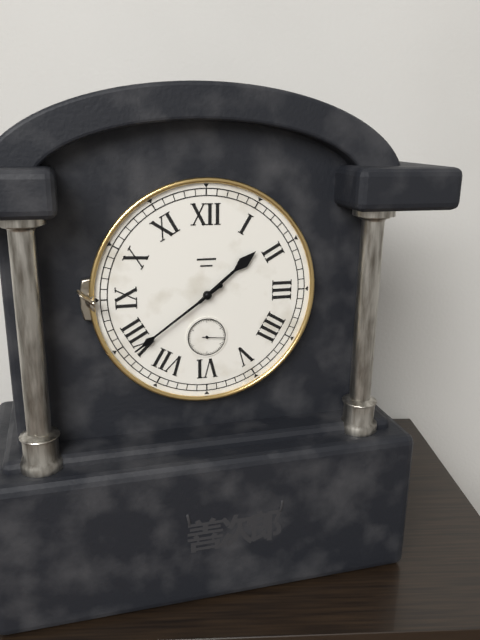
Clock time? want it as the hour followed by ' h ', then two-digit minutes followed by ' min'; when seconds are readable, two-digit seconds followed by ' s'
1 h 39 min
